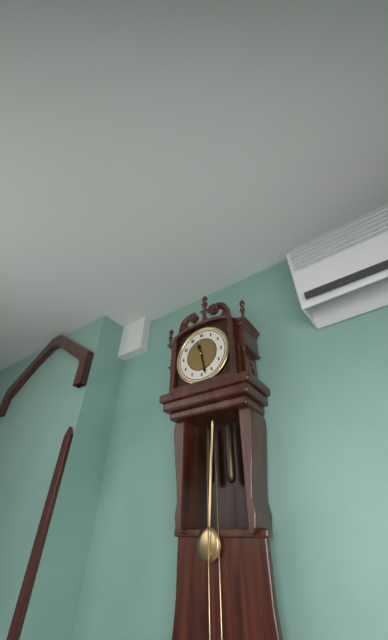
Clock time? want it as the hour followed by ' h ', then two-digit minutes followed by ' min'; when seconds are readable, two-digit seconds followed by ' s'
11 h 28 min
